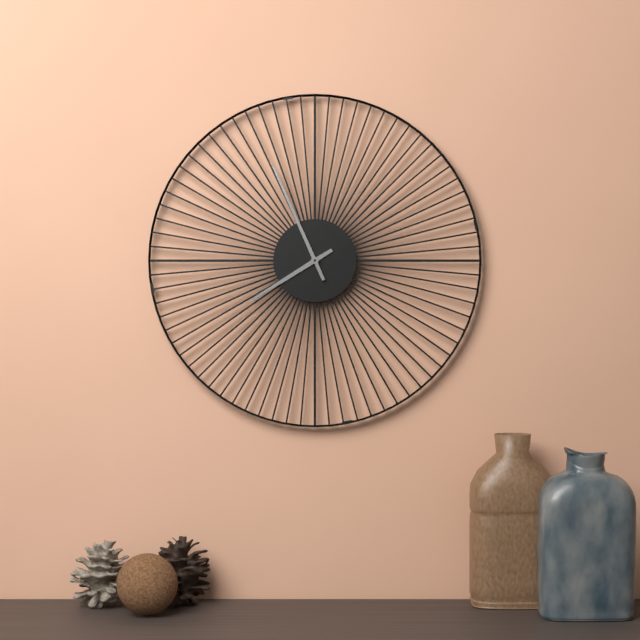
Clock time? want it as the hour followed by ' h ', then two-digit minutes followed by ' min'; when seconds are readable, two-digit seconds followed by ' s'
7 h 56 min
